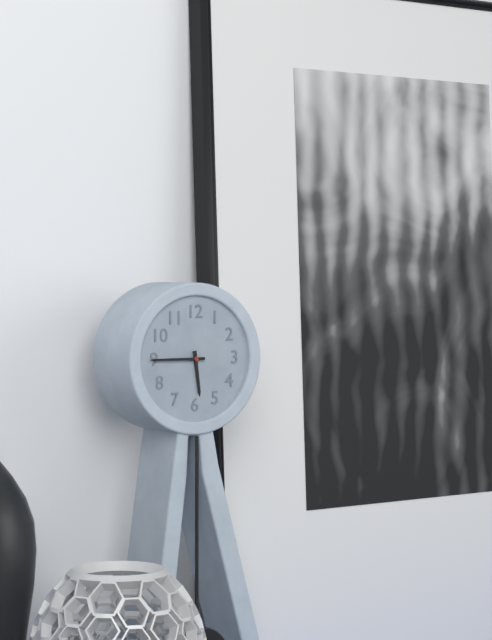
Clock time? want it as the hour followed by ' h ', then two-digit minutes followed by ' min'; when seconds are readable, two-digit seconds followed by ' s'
5 h 45 min
